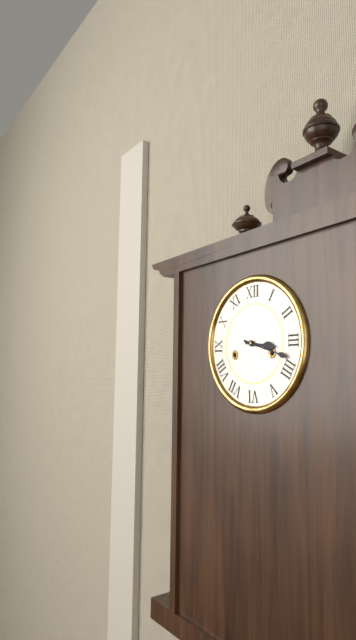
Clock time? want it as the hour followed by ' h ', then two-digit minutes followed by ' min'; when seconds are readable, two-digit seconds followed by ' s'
3 h 18 min
